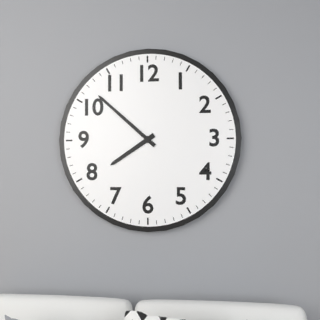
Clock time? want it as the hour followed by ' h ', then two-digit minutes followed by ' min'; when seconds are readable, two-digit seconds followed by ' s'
7 h 52 min
